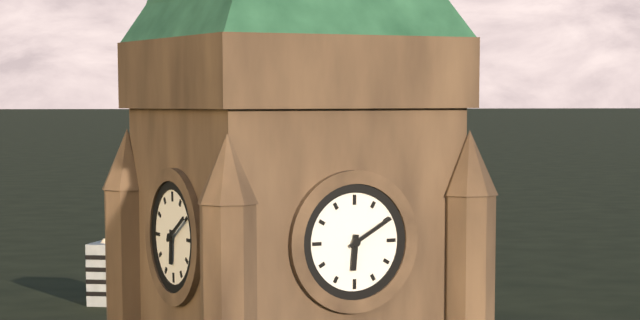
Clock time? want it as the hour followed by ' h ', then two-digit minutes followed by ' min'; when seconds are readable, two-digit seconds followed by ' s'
6 h 10 min
